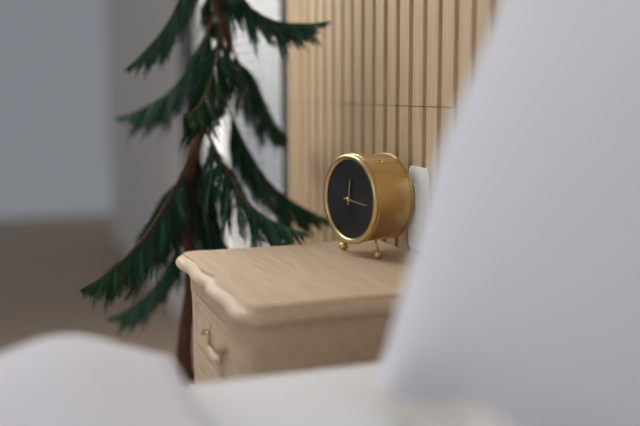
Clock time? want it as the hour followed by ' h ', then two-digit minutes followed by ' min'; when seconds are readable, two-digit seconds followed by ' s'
12 h 16 min
